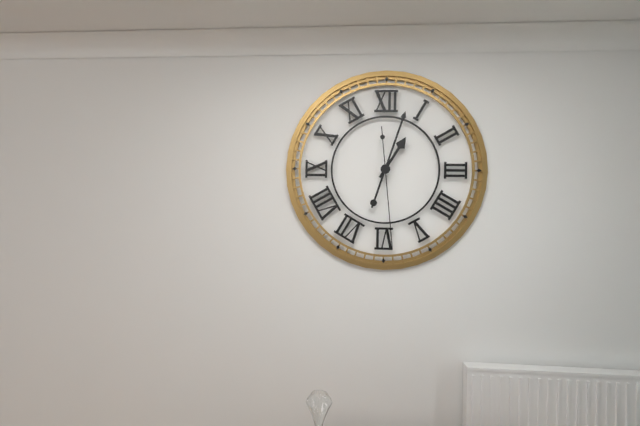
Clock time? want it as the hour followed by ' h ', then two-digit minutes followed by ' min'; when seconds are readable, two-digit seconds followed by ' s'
1 h 03 min 29 s
